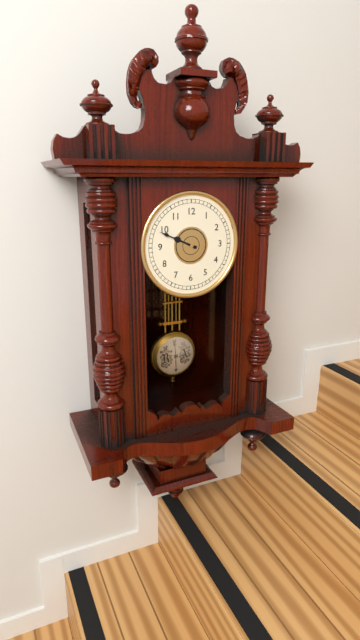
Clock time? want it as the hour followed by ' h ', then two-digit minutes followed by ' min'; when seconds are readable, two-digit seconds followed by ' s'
9 h 49 min
